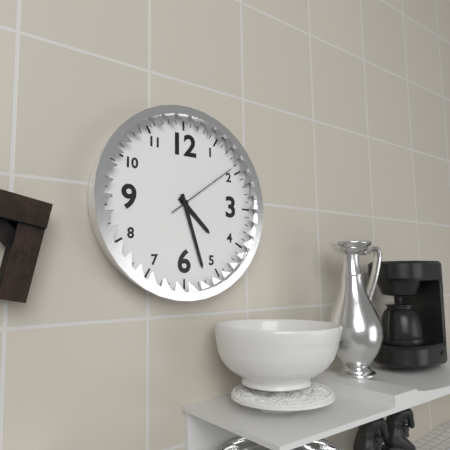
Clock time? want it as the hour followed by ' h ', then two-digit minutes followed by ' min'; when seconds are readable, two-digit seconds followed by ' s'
4 h 27 min 09 s
